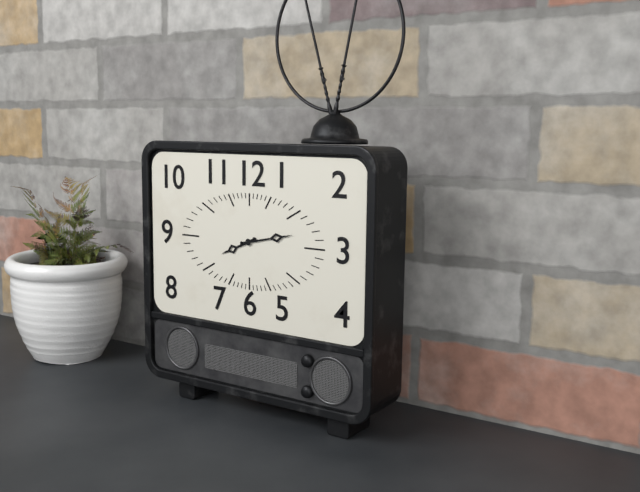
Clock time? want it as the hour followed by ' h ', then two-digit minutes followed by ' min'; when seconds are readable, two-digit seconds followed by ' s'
8 h 13 min
